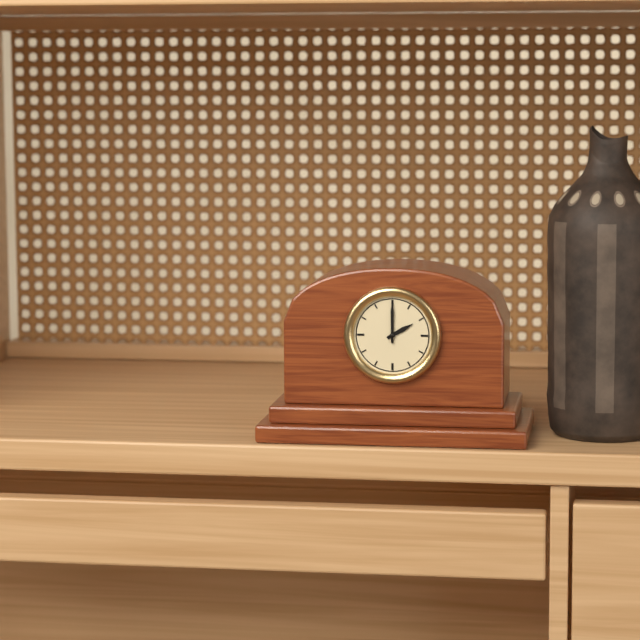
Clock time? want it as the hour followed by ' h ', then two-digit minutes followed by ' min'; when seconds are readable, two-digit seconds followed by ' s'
2 h 00 min
